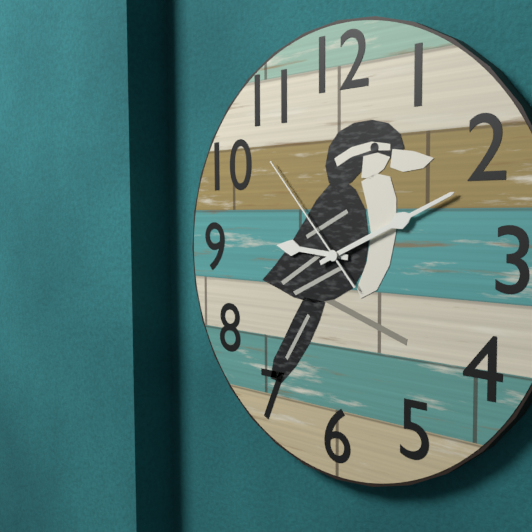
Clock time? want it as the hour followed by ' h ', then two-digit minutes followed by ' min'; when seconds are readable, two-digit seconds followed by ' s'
9 h 11 min 53 s
